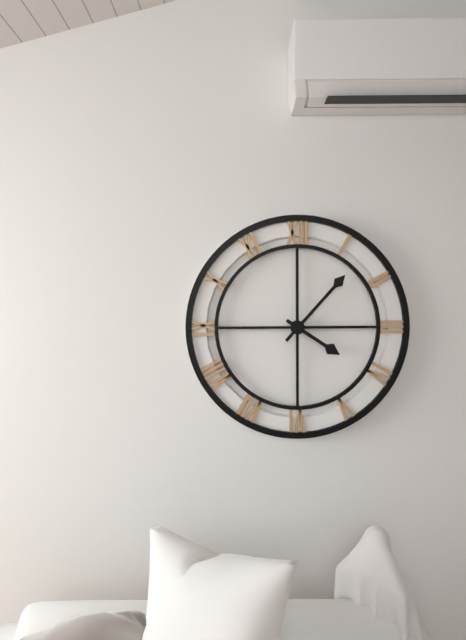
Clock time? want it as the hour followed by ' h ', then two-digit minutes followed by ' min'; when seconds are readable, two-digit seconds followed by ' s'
4 h 07 min
